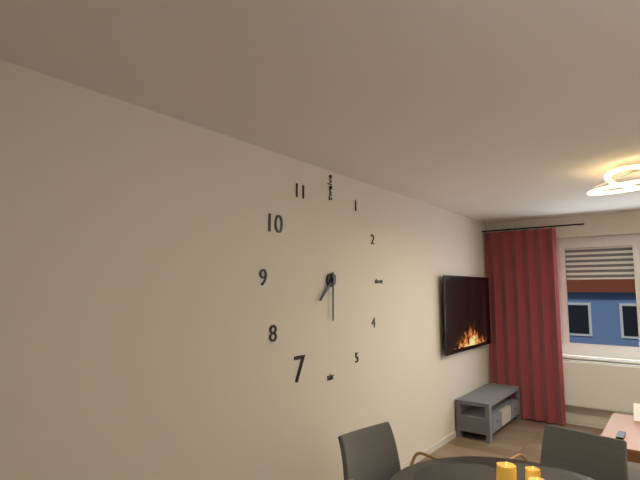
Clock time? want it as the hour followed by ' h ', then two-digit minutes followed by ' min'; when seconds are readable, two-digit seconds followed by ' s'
7 h 30 min
